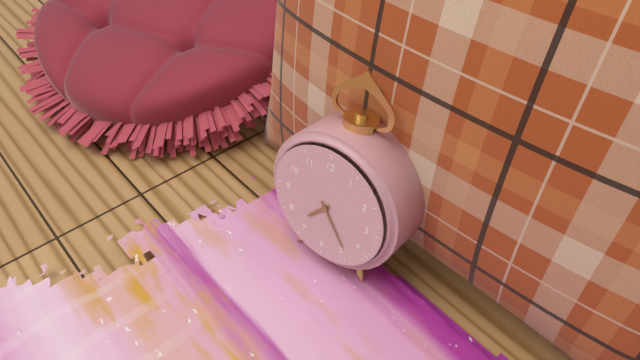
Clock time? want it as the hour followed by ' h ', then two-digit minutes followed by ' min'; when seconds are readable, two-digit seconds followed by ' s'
7 h 24 min
